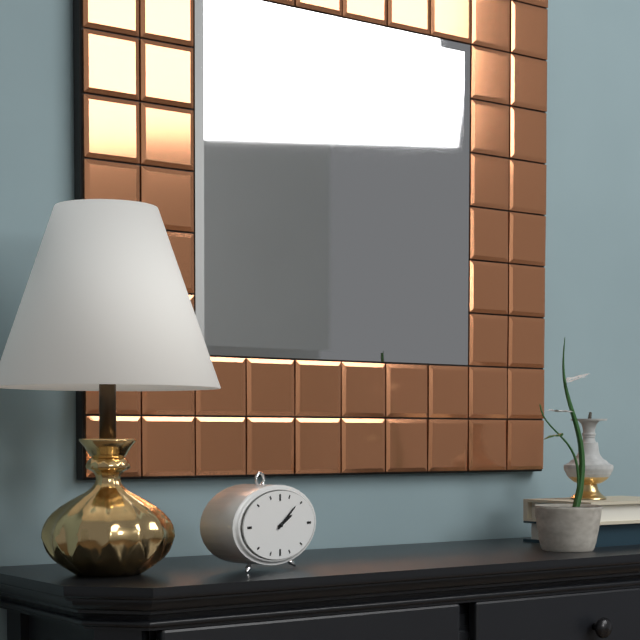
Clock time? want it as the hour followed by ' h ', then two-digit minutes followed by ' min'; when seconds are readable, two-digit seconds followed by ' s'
2 h 09 min
